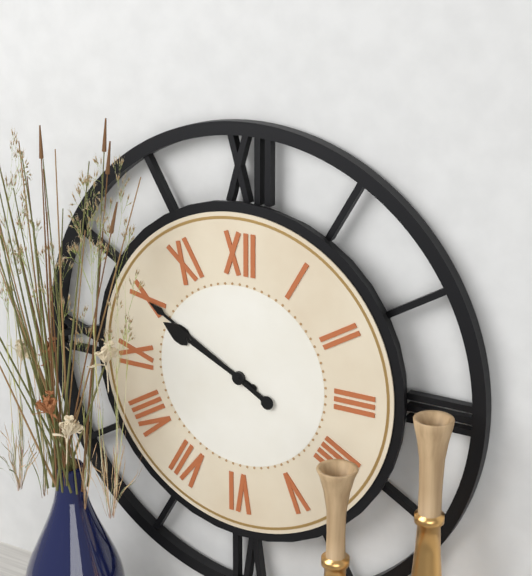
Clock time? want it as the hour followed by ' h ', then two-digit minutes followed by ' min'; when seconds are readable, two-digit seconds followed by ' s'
9 h 50 min
